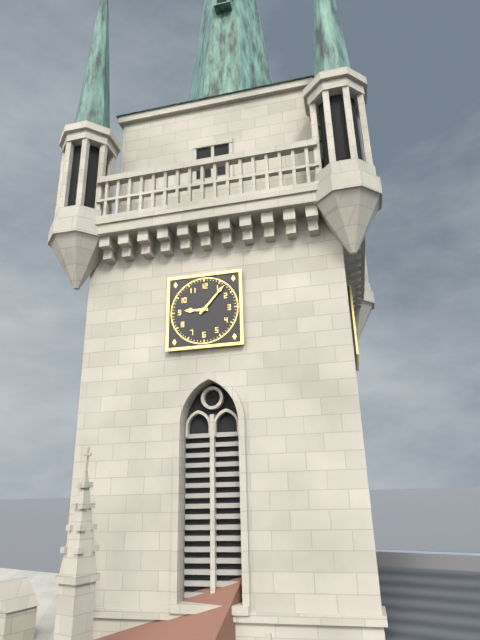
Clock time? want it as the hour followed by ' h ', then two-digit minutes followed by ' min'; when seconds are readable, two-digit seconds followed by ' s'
9 h 07 min
